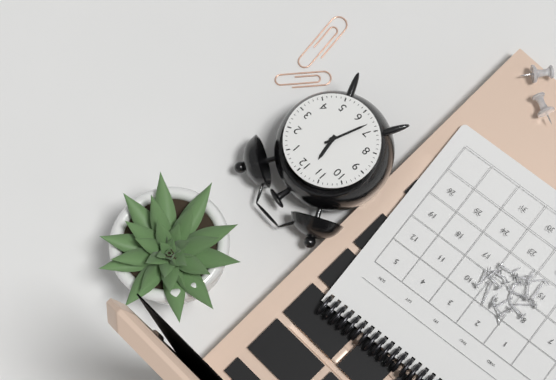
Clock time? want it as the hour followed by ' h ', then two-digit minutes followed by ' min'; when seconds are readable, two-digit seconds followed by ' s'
11 h 33 min
